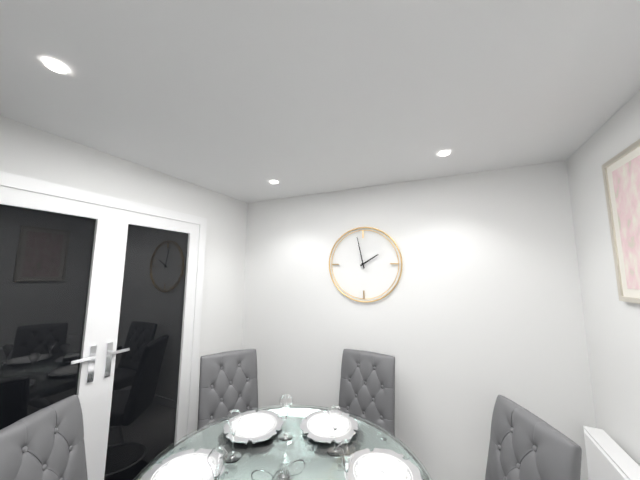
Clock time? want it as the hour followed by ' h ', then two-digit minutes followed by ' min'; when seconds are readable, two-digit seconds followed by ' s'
1 h 58 min
